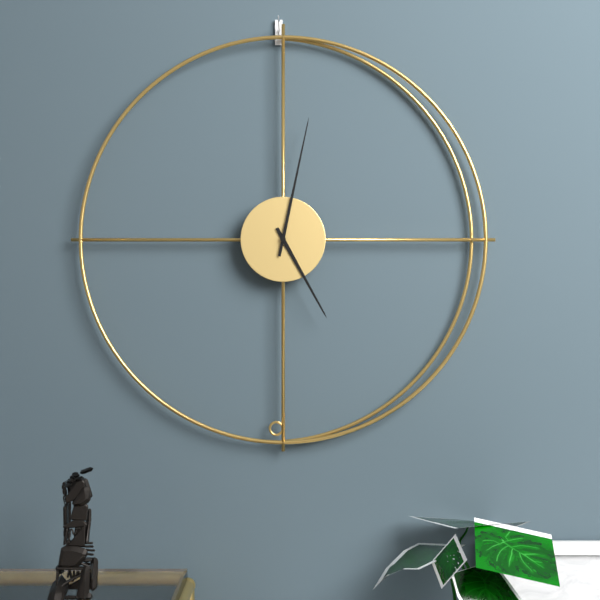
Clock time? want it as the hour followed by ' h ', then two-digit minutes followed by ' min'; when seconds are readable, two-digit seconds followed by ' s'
5 h 02 min
